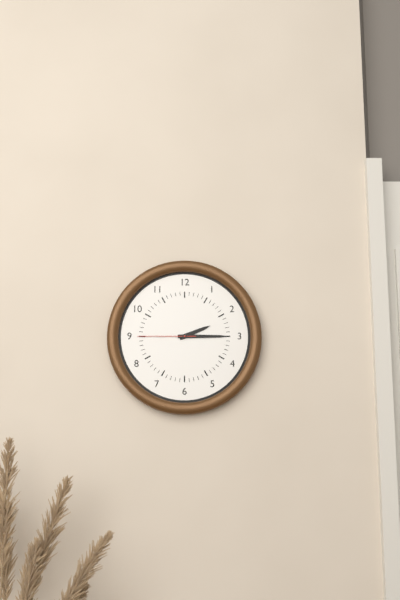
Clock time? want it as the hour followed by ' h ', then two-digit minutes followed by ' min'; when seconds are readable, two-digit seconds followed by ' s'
2 h 15 min 45 s
